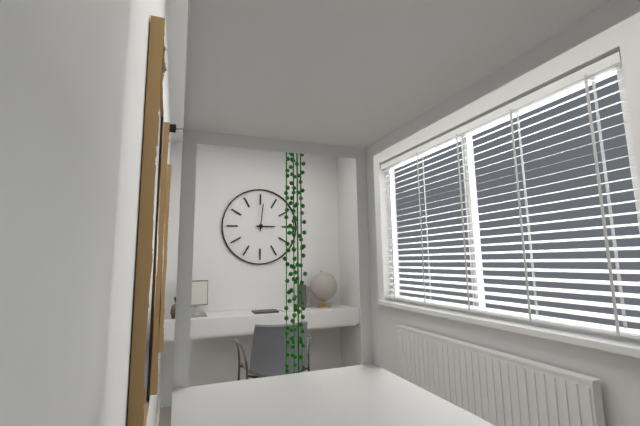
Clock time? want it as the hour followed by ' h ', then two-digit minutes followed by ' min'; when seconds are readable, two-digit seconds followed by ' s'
3 h 01 min
